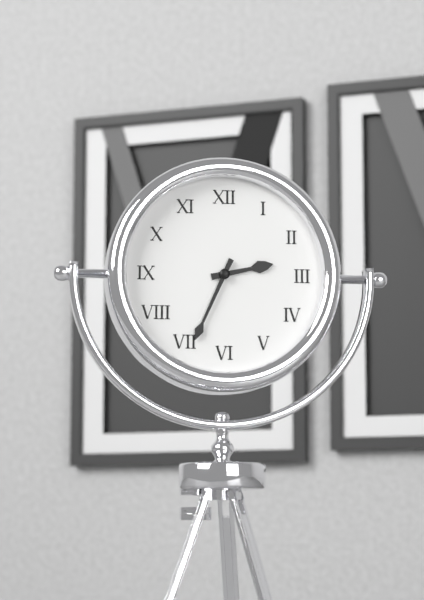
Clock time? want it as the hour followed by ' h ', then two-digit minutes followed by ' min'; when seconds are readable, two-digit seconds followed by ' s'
2 h 34 min
